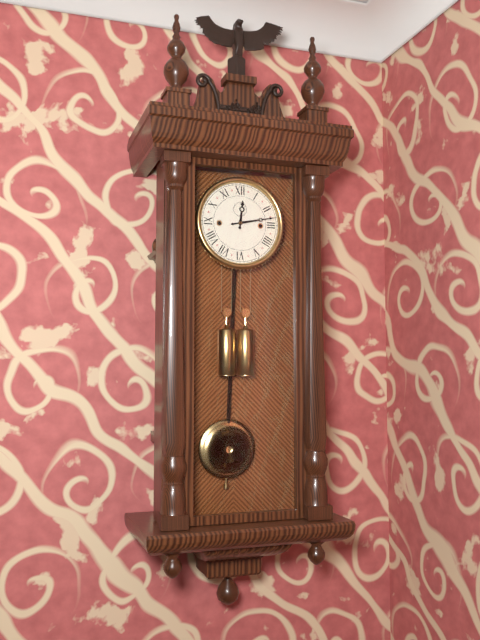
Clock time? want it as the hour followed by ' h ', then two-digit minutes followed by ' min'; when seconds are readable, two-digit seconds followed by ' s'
12 h 13 min
